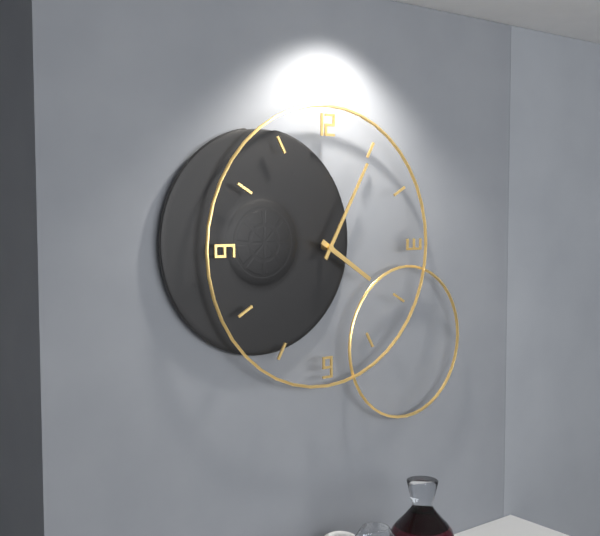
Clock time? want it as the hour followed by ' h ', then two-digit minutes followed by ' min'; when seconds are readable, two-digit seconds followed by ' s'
4 h 05 min
